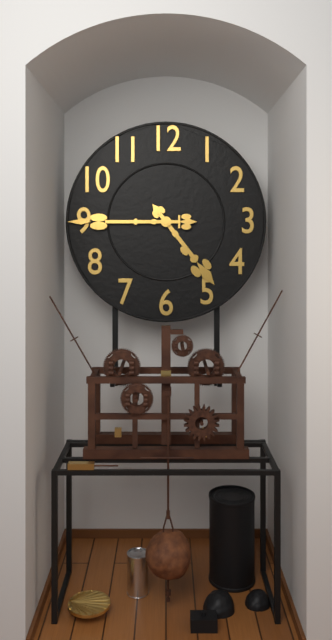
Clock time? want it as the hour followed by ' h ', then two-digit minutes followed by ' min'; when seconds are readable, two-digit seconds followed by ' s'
4 h 45 min
